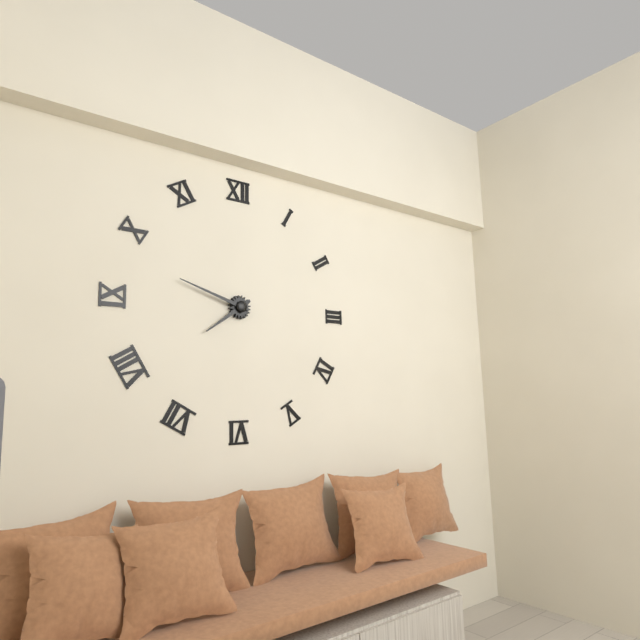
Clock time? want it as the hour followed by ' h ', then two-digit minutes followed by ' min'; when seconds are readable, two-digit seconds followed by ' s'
7 h 48 min
